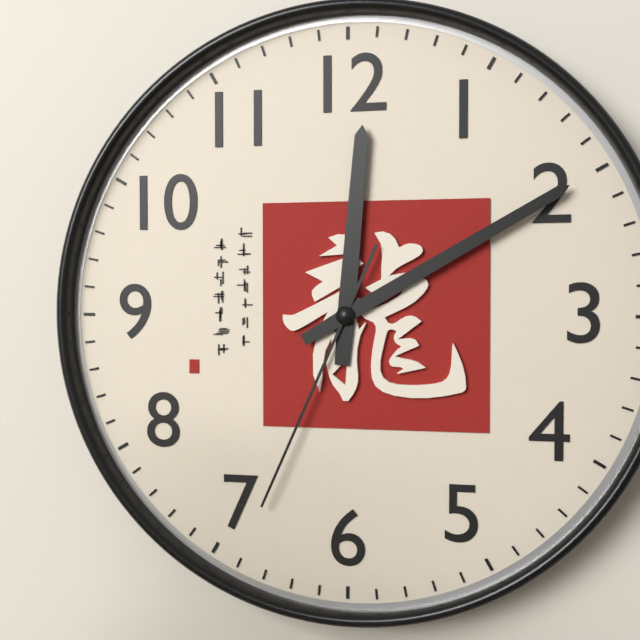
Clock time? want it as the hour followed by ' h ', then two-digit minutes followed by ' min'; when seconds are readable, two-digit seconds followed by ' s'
12 h 10 min 34 s
